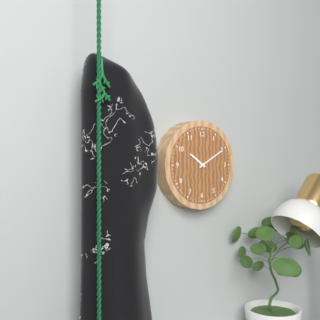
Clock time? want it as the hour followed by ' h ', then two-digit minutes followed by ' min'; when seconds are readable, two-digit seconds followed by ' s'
10 h 10 min
